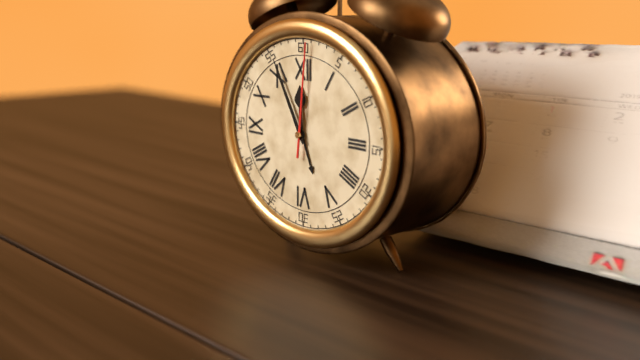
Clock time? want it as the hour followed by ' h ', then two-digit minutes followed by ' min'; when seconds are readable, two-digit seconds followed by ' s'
11 h 55 min 01 s
